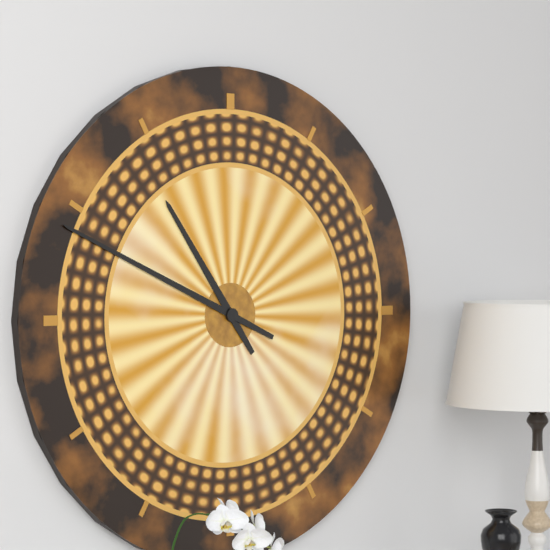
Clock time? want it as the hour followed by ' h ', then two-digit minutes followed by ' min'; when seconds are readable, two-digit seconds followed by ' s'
10 h 49 min
